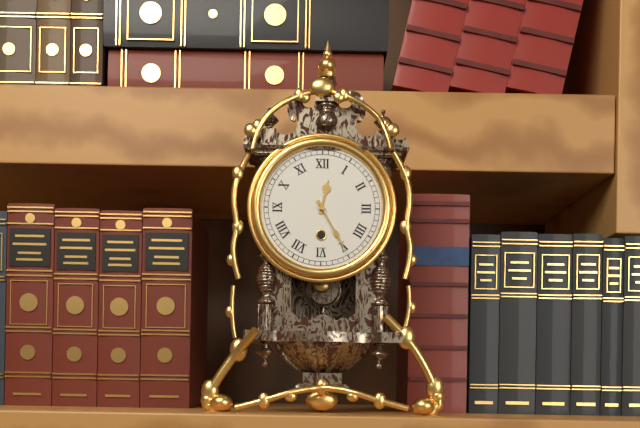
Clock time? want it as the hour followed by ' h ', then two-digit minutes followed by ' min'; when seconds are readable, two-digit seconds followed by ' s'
12 h 25 min
